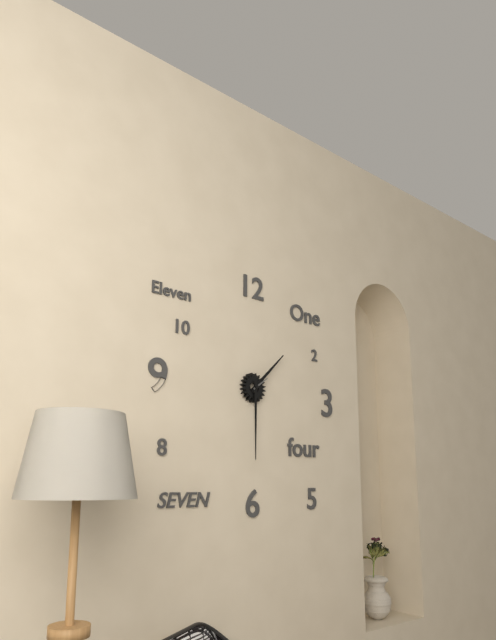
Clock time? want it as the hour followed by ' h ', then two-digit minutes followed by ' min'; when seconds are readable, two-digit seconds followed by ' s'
1 h 30 min
